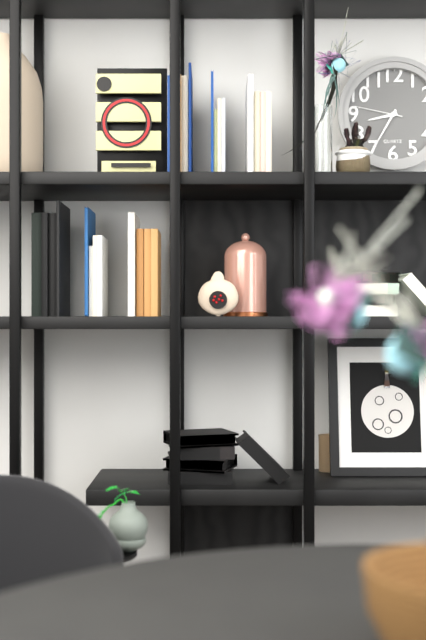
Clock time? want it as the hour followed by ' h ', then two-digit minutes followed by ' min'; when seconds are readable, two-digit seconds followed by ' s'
8 h 35 min
